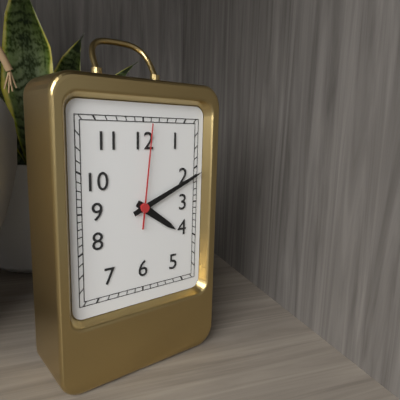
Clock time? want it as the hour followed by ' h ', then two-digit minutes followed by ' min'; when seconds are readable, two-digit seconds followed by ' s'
4 h 11 min 01 s
